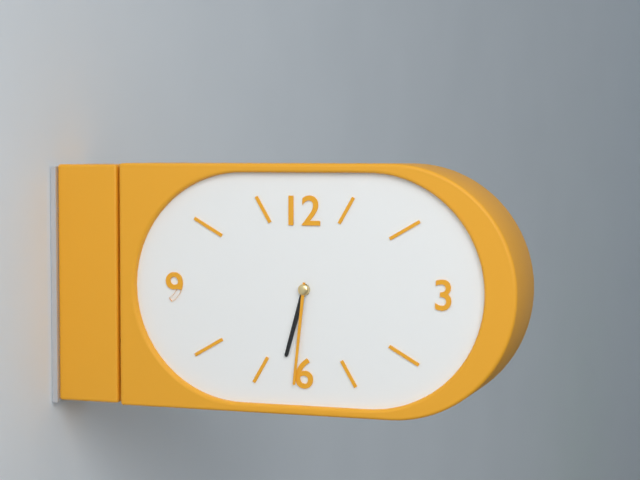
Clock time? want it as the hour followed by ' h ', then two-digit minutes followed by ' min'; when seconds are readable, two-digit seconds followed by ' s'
6 h 31 min
